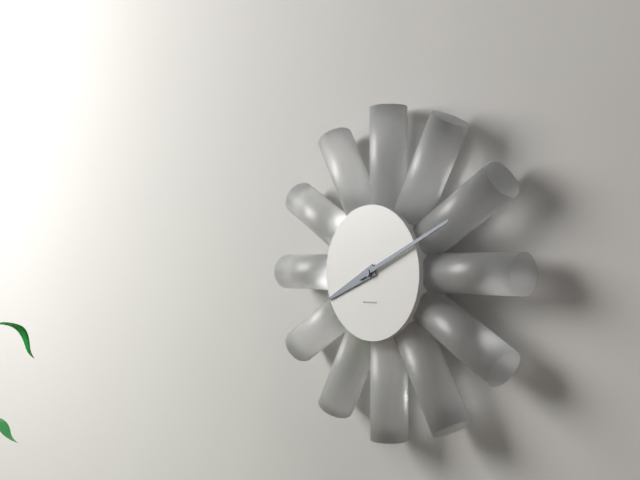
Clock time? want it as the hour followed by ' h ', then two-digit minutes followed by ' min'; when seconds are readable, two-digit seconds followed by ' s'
8 h 11 min
